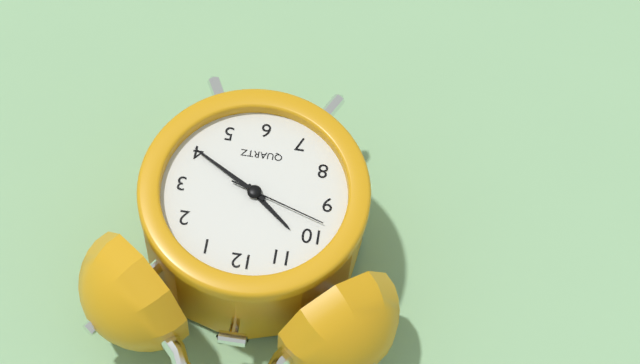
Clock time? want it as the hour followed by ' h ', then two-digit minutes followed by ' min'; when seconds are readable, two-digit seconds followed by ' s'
10 h 20 min 48 s
